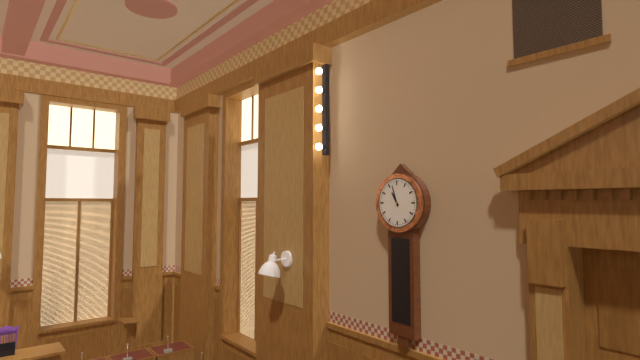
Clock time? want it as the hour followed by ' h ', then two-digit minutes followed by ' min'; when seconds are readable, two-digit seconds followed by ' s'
10 h 57 min
